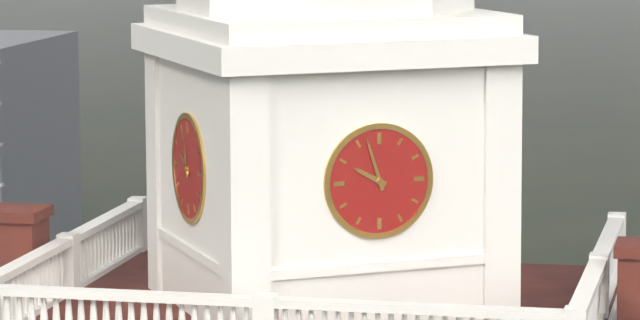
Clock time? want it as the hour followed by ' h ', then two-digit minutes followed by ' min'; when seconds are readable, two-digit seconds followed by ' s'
9 h 57 min
